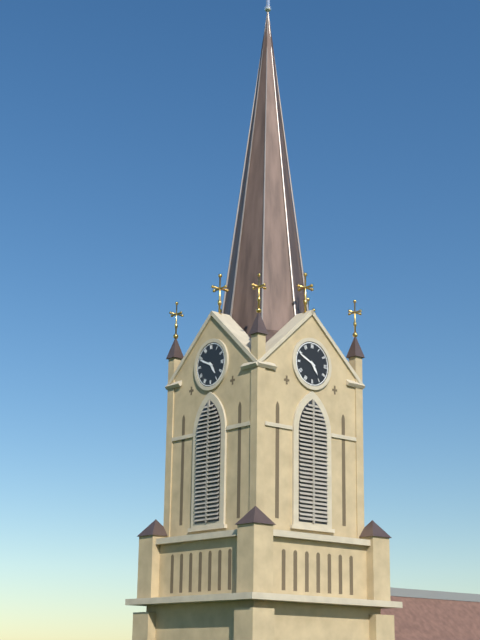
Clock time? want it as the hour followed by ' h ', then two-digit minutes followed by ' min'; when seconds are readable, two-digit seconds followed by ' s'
4 h 49 min
